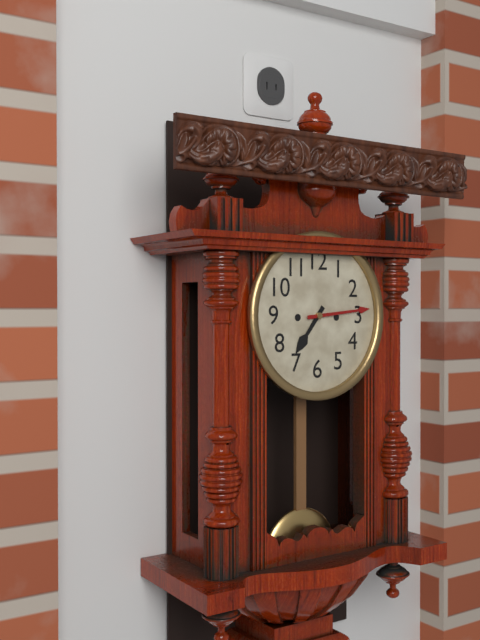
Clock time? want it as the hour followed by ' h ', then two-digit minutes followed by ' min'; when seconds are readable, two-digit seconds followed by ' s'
7 h 14 min
